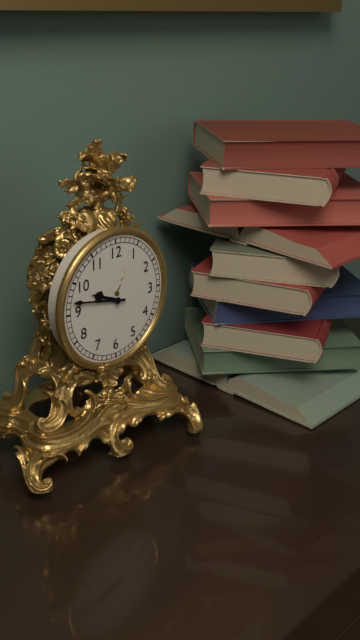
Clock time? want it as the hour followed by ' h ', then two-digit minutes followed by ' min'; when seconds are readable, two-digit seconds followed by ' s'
9 h 47 min
